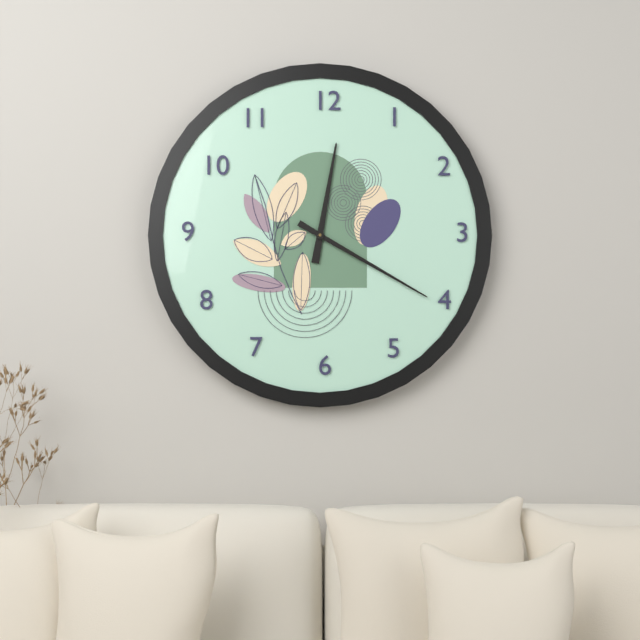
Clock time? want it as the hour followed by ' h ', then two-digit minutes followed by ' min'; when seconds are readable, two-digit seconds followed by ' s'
12 h 20 min
